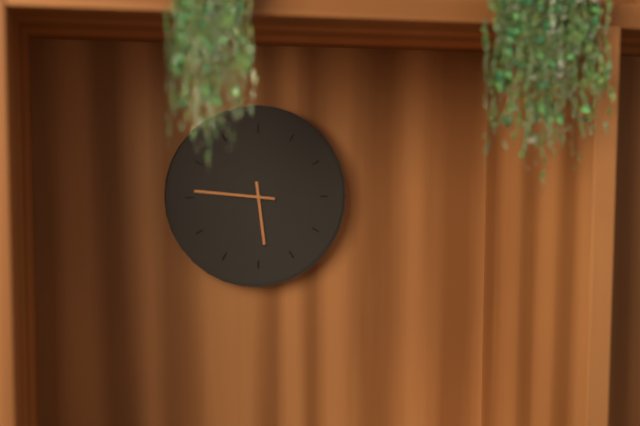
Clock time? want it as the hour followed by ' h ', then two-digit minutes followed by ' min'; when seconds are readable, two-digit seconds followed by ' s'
5 h 46 min
